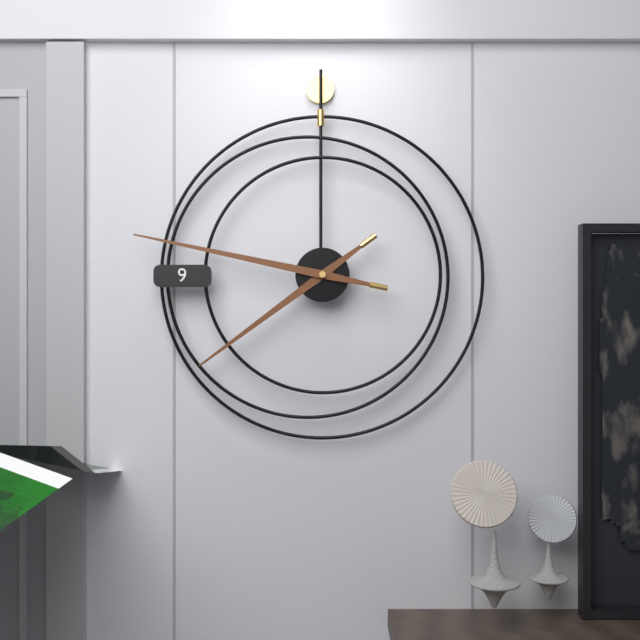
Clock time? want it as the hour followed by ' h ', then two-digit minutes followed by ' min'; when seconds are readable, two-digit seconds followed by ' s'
7 h 47 min
